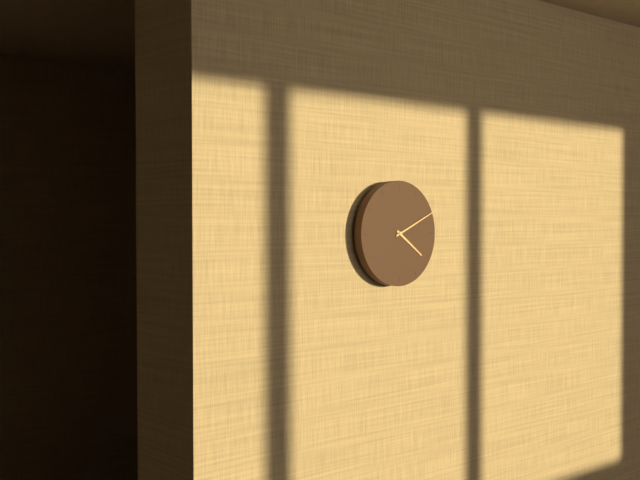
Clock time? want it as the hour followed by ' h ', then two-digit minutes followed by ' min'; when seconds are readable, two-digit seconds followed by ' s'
4 h 11 min
